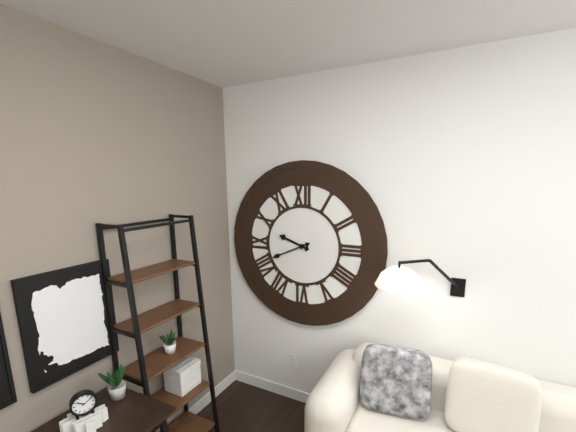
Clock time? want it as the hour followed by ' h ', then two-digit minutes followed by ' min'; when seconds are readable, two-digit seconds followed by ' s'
9 h 41 min
